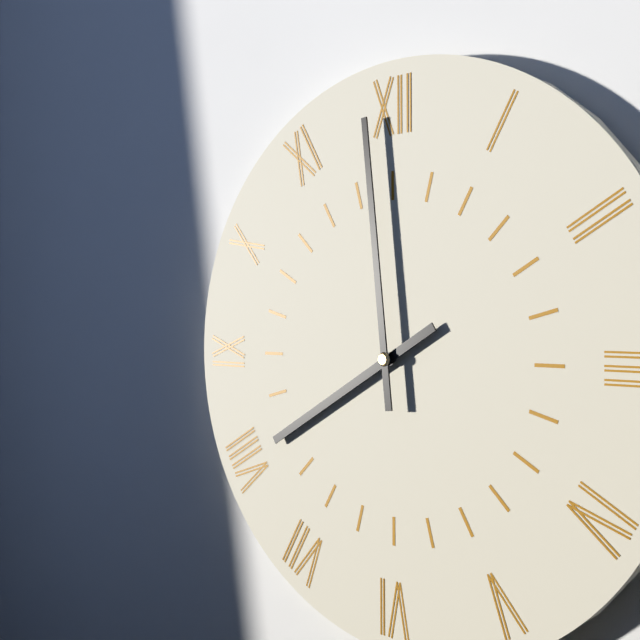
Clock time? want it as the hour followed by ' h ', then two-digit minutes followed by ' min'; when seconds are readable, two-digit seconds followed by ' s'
7 h 59 min
